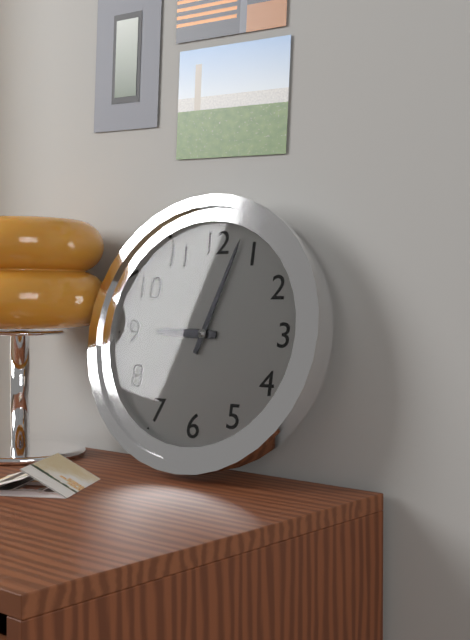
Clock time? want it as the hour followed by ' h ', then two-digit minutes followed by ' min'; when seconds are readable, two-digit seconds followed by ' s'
9 h 03 min
